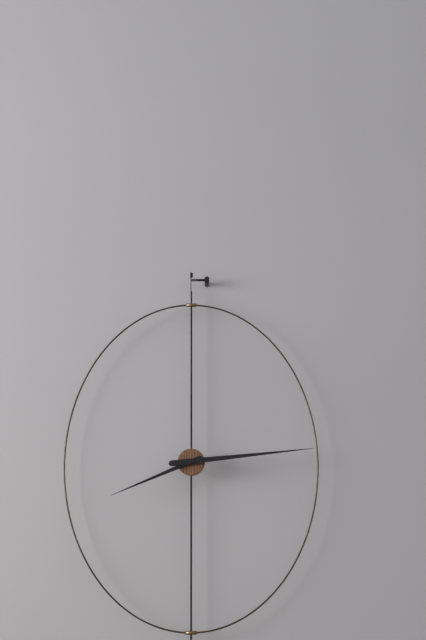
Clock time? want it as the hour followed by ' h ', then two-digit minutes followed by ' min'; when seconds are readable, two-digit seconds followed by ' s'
8 h 14 min
